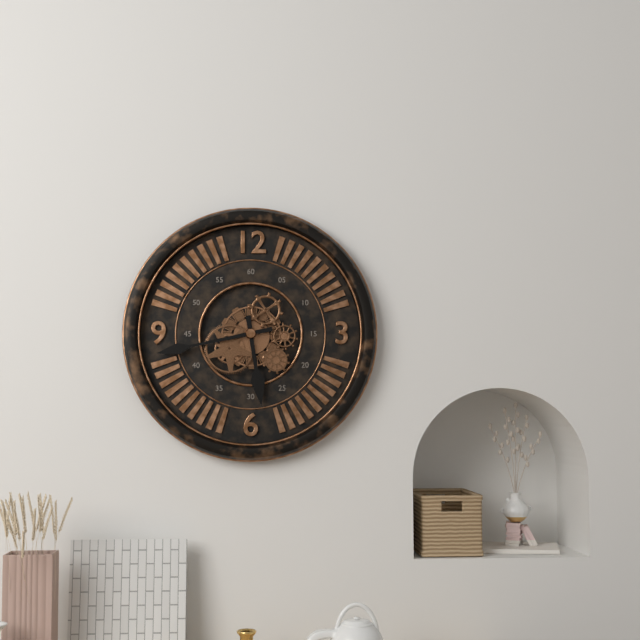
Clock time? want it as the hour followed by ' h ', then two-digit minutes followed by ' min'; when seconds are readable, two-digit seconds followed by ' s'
5 h 43 min
